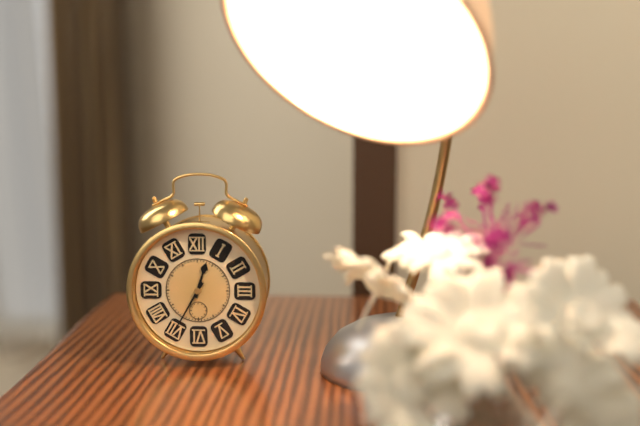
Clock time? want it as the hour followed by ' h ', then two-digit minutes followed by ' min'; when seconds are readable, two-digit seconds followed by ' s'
12 h 35 min
